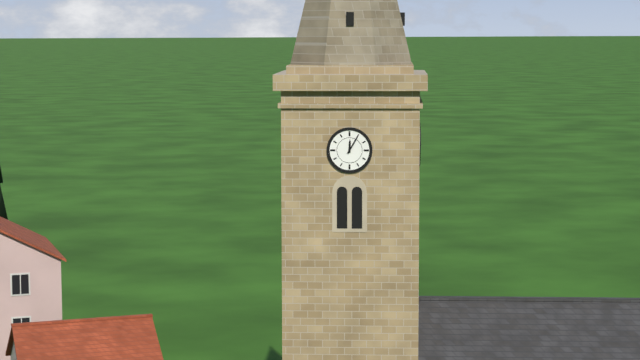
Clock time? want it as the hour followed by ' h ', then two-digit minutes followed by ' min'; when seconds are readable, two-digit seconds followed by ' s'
12 h 05 min
